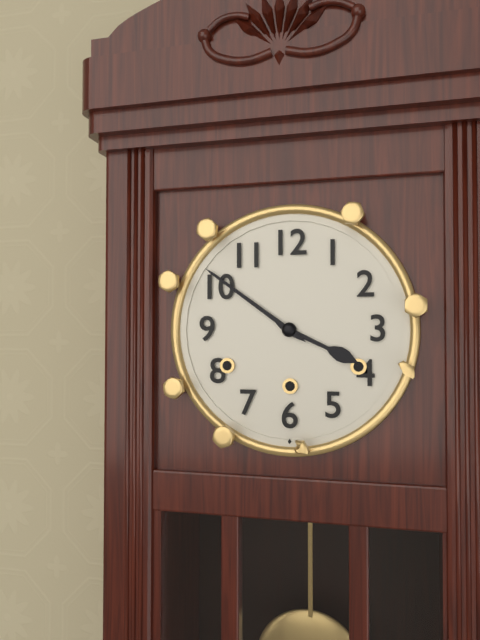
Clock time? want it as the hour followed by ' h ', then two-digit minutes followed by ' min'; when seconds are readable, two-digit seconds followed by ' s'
3 h 51 min
